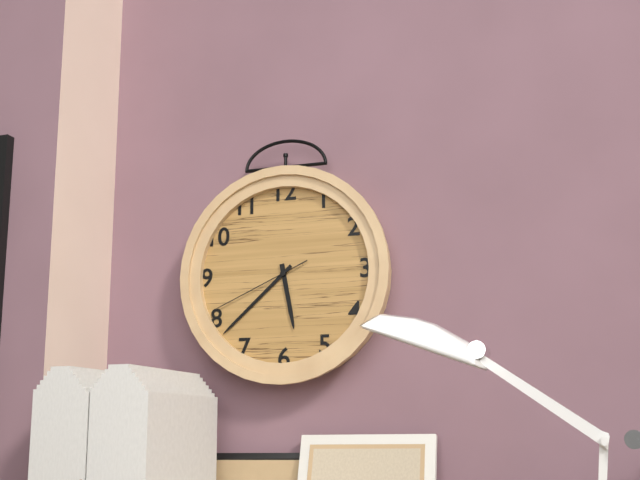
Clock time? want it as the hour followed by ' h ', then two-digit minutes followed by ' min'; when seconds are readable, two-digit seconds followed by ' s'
5 h 38 min 41 s
